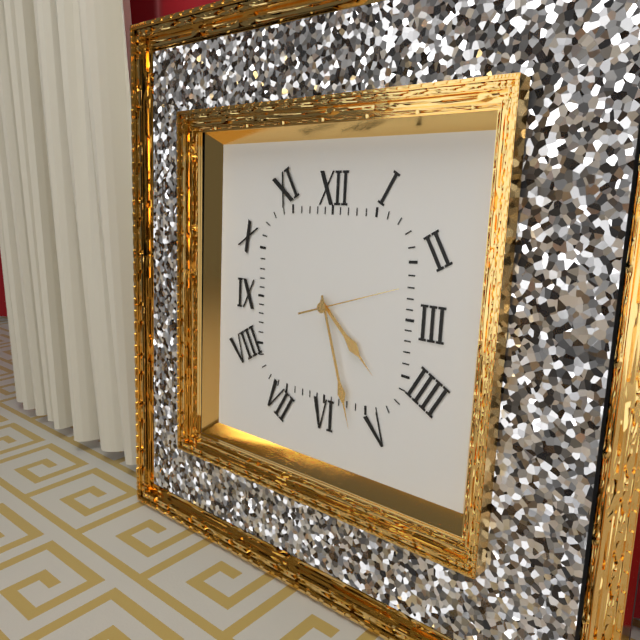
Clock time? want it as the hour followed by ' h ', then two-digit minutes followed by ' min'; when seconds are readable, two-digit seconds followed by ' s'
4 h 27 min 12 s
